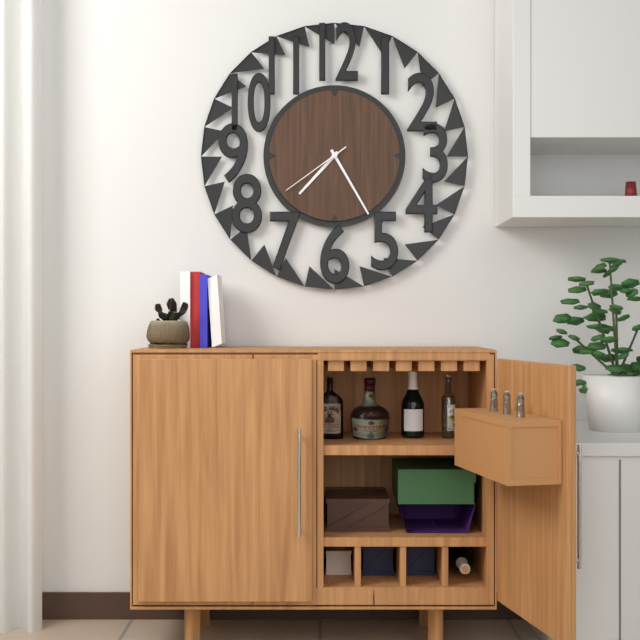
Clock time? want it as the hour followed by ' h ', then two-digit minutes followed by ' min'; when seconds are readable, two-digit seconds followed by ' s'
7 h 25 min 39 s
